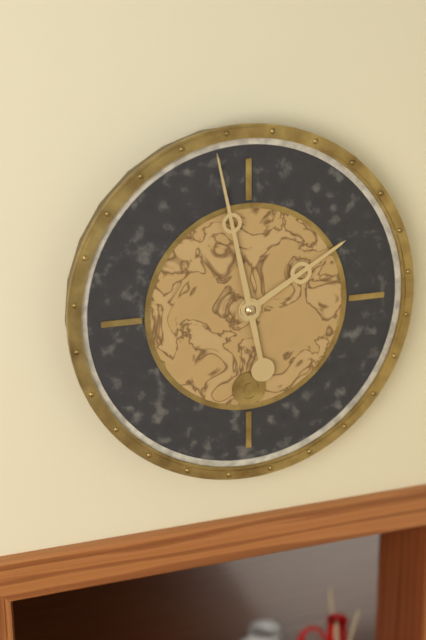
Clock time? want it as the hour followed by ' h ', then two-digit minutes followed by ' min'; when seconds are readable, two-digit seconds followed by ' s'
1 h 58 min
